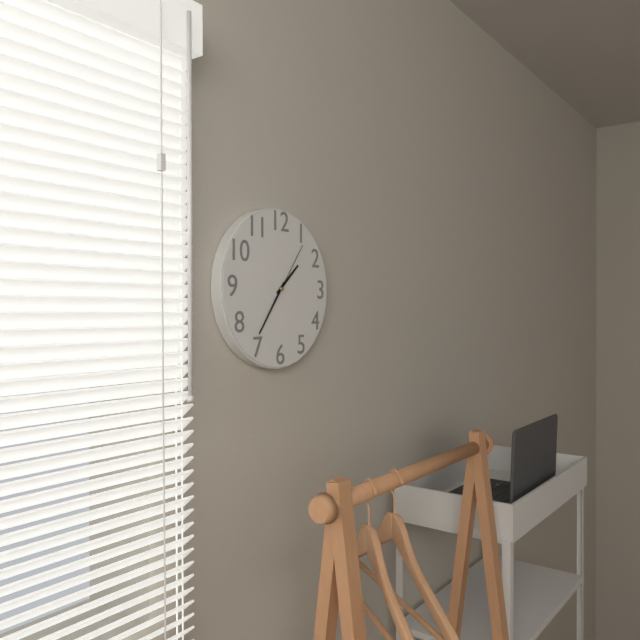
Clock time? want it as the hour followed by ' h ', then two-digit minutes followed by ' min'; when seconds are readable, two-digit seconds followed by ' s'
1 h 36 min 06 s
